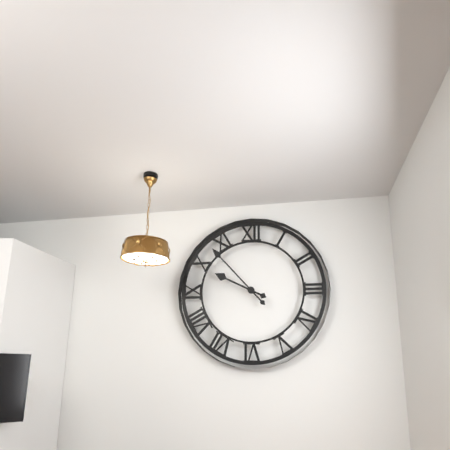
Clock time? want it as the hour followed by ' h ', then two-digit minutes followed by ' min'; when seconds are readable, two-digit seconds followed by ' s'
9 h 53 min
